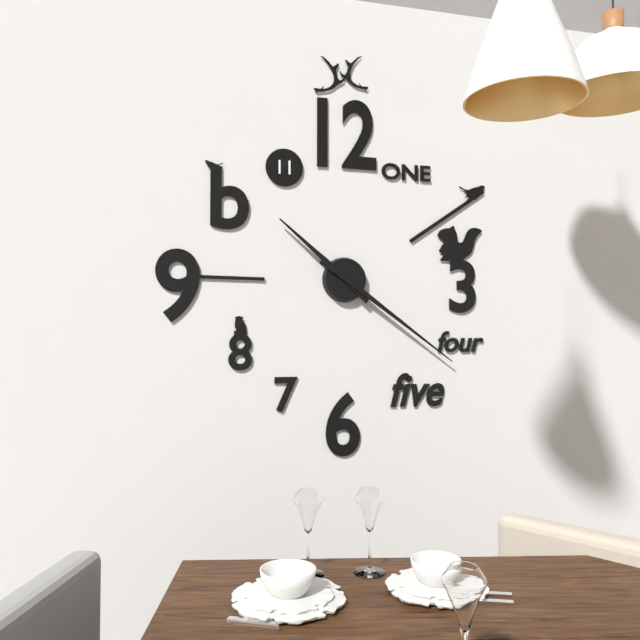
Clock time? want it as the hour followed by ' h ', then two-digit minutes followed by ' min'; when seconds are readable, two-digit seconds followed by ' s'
10 h 21 min
